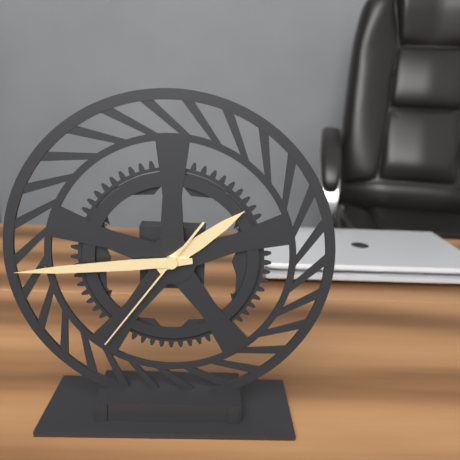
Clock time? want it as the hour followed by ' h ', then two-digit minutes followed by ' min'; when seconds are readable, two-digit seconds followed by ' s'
1 h 44 min 36 s
